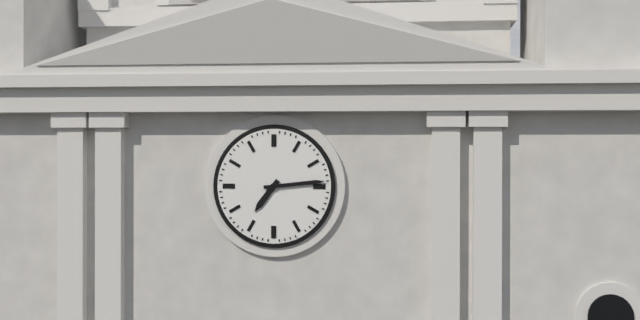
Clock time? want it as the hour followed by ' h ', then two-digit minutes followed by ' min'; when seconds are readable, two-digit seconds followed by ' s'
7 h 14 min
